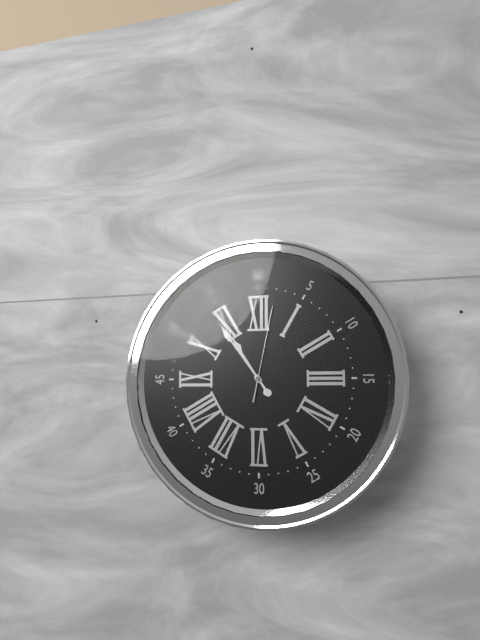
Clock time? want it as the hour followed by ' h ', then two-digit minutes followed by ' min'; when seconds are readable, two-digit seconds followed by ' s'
10 h 54 min 02 s
